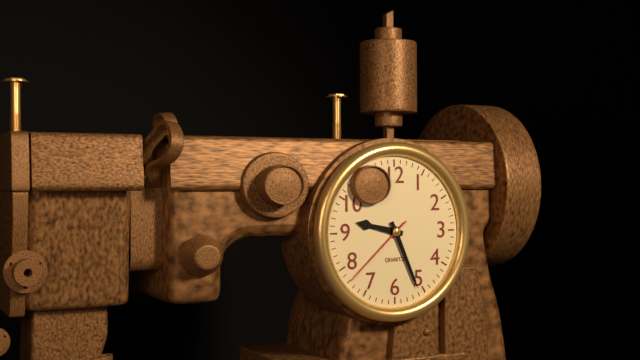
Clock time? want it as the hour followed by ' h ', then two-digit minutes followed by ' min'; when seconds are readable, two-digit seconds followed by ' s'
9 h 26 min 38 s
